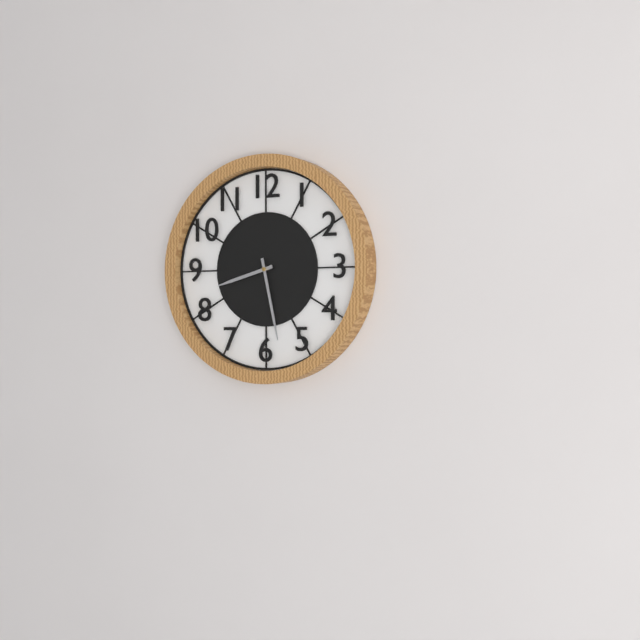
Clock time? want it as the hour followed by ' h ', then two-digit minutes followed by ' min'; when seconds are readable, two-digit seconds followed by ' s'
8 h 28 min
